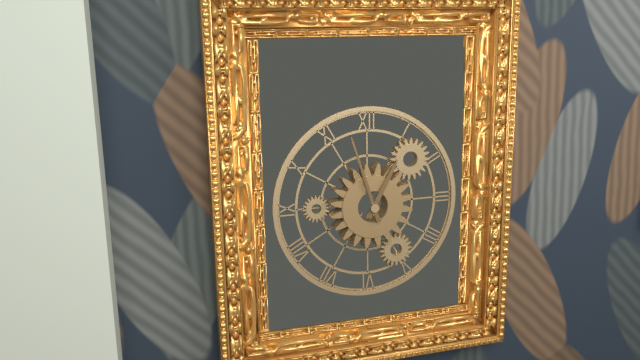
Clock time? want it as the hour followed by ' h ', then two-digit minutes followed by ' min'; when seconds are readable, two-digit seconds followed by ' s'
12 h 57 min
